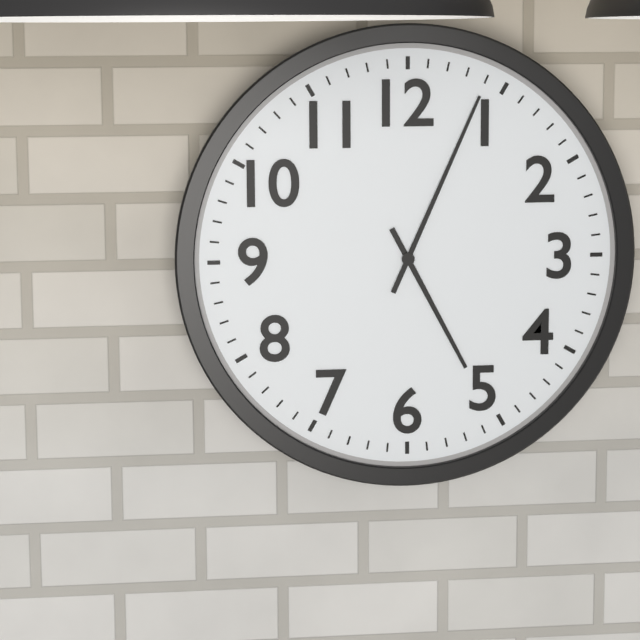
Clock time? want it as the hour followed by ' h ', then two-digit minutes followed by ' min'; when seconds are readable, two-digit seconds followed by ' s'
5 h 04 min
